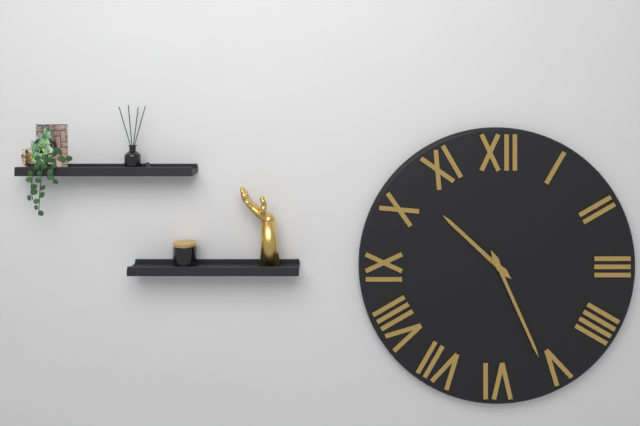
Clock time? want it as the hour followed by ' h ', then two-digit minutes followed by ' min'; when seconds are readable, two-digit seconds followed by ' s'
10 h 26 min
